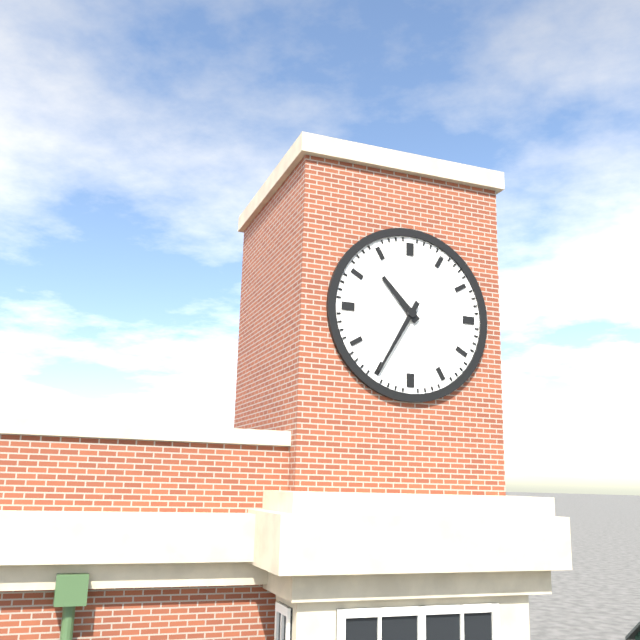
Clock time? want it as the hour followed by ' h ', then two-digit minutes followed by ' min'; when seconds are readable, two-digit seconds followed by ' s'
10 h 35 min
